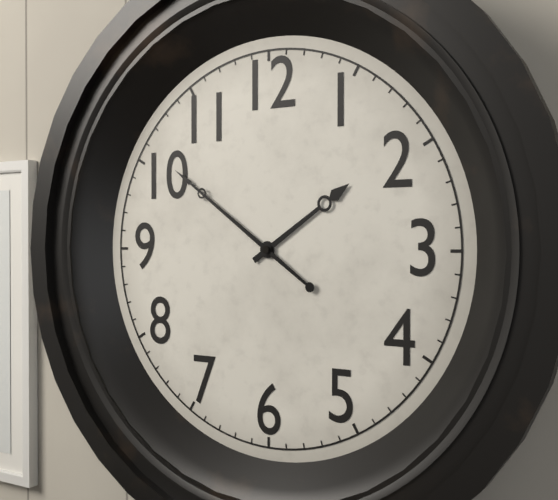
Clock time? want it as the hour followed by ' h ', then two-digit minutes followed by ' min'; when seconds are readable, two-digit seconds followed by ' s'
1 h 51 min
